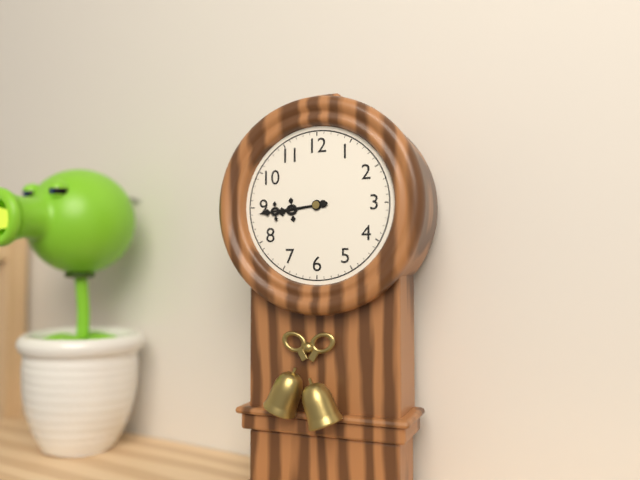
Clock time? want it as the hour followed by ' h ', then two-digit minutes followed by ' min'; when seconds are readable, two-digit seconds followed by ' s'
8 h 44 min
